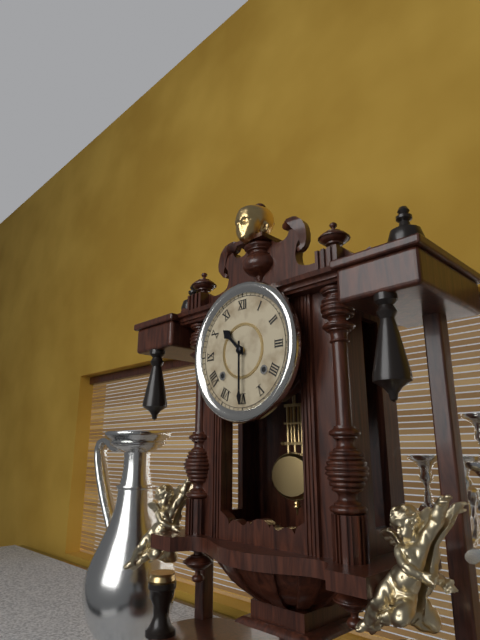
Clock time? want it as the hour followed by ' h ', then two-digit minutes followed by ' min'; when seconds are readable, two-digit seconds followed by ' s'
10 h 30 min
